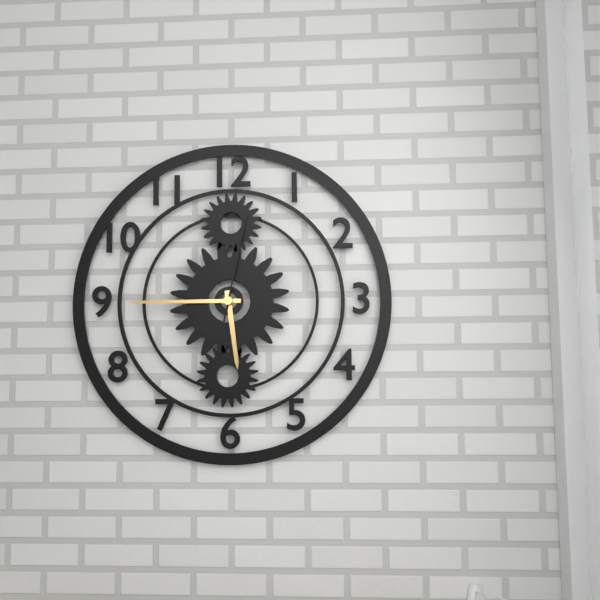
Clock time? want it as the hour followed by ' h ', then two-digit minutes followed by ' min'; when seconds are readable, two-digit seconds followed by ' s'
5 h 45 min 02 s
